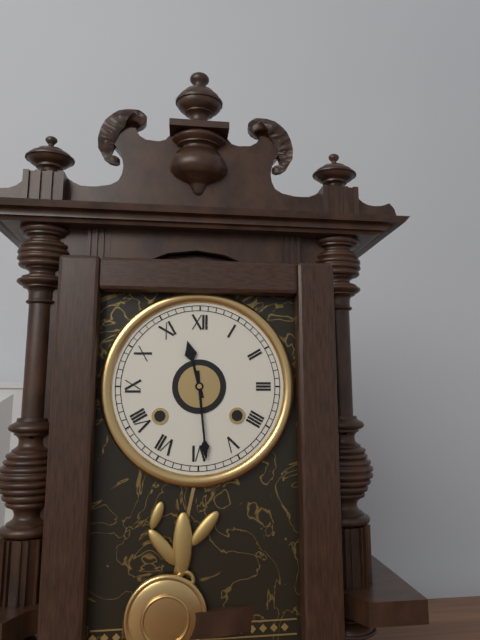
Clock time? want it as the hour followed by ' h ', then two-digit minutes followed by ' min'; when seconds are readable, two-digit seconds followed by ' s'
11 h 29 min
